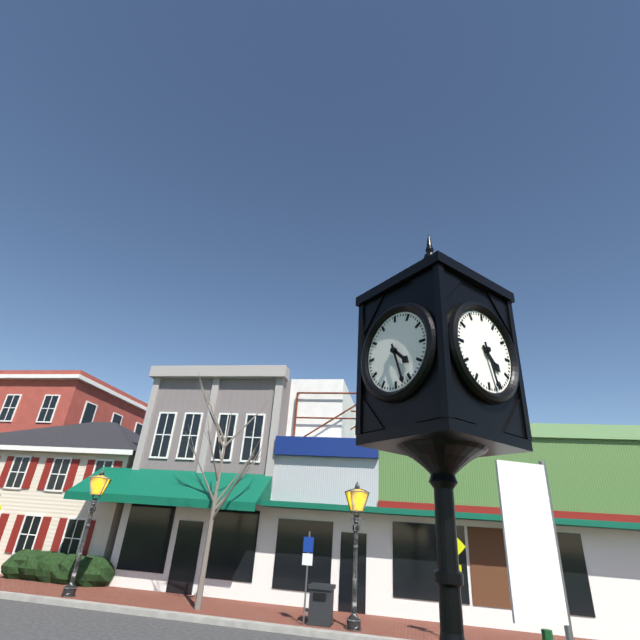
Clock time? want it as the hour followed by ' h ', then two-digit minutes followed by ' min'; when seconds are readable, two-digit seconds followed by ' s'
4 h 27 min
